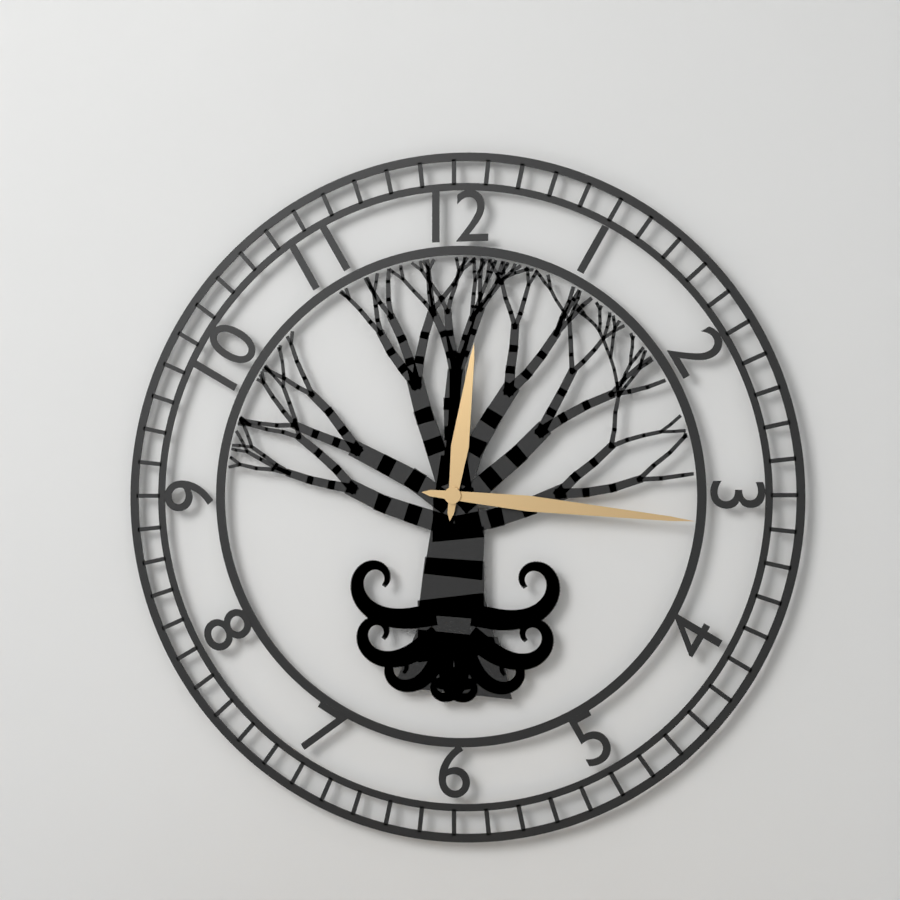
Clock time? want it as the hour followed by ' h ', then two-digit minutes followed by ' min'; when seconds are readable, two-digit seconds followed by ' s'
12 h 16 min
